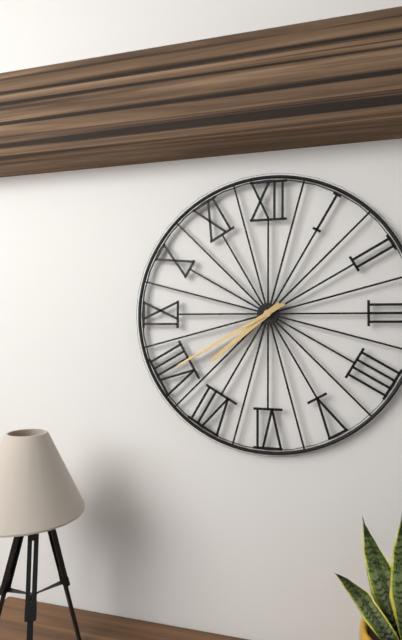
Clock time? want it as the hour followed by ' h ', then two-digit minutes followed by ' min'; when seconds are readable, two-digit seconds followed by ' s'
7 h 40 min
